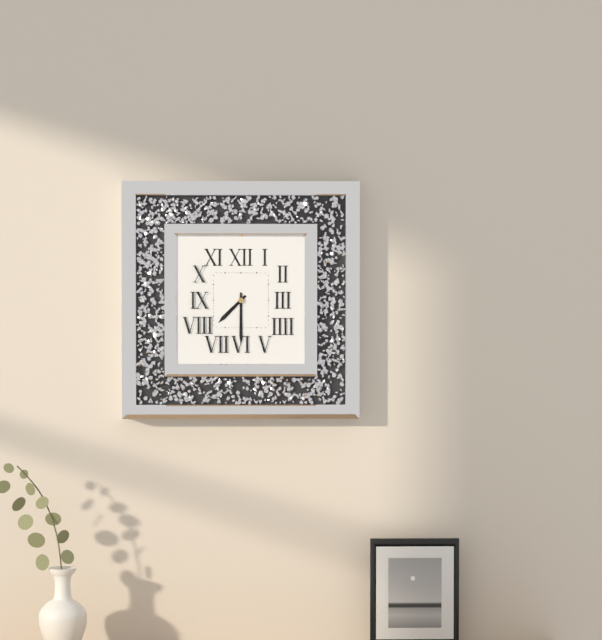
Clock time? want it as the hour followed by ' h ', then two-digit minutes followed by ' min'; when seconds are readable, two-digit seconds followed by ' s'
7 h 30 min
